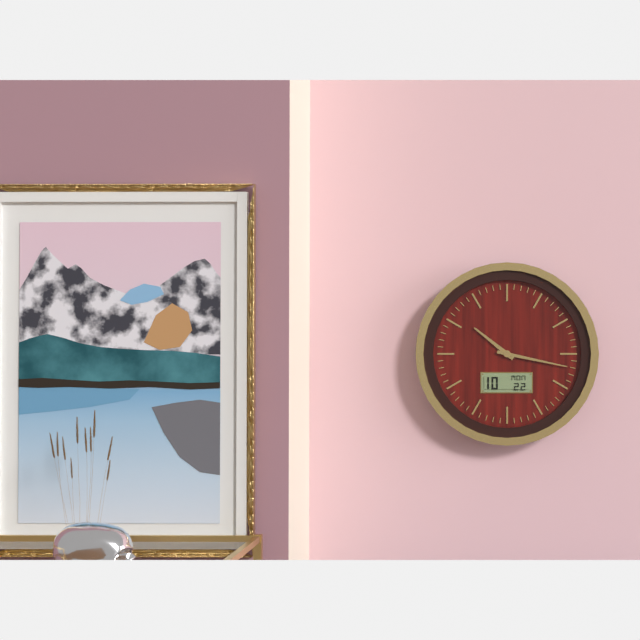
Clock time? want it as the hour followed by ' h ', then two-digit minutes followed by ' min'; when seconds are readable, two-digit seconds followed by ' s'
10 h 17 min
